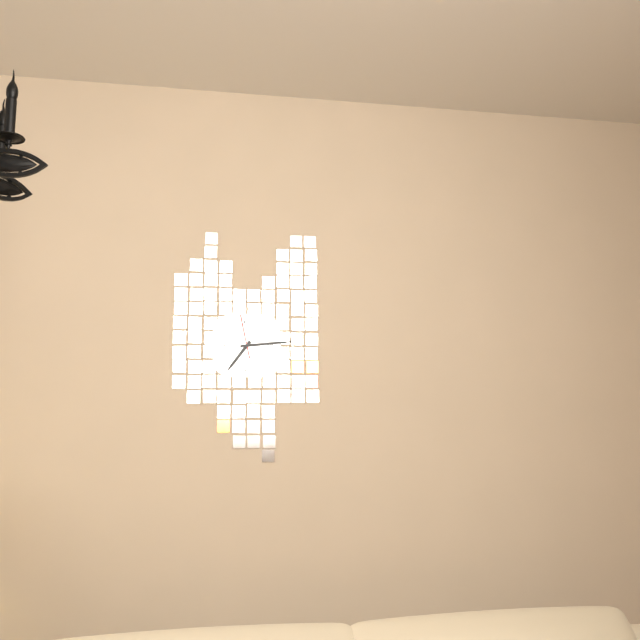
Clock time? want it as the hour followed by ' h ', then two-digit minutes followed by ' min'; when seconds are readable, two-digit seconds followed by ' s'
7 h 14 min 58 s
